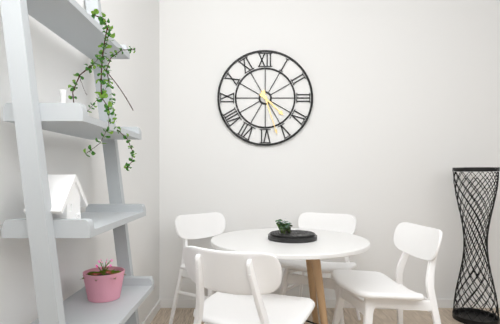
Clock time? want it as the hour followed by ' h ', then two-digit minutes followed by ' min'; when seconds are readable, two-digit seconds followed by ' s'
4 h 27 min
